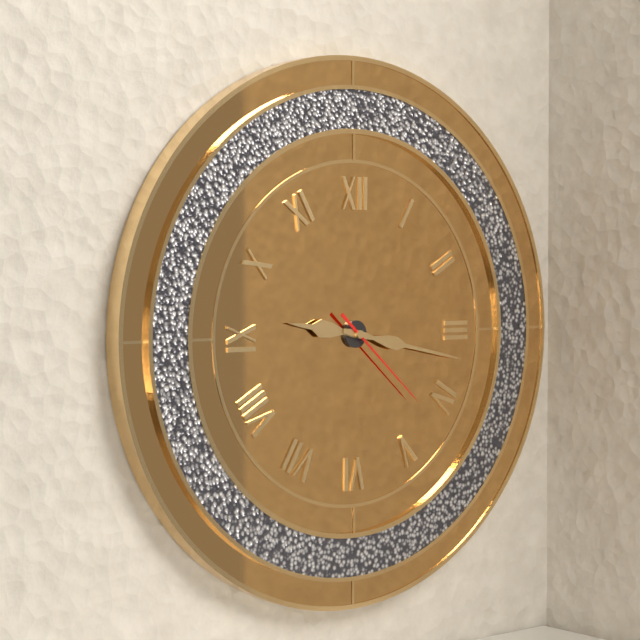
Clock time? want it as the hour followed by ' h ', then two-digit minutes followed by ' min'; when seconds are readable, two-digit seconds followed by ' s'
9 h 17 min 22 s
